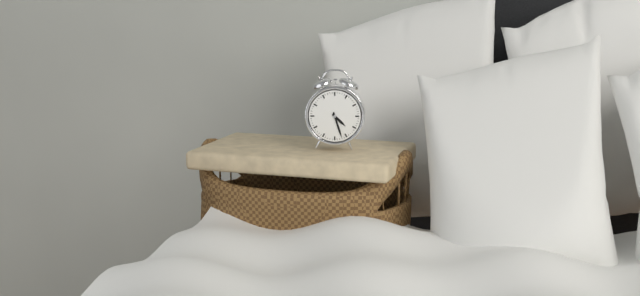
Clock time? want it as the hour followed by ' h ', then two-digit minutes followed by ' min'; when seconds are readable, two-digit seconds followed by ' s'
4 h 27 min
